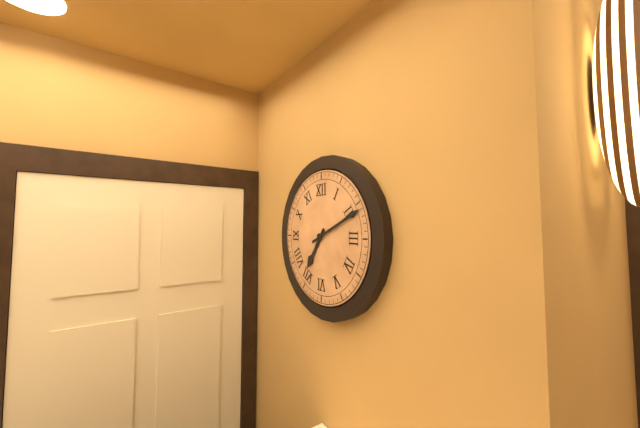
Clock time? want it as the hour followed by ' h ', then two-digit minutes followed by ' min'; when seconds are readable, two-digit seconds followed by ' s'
7 h 11 min
